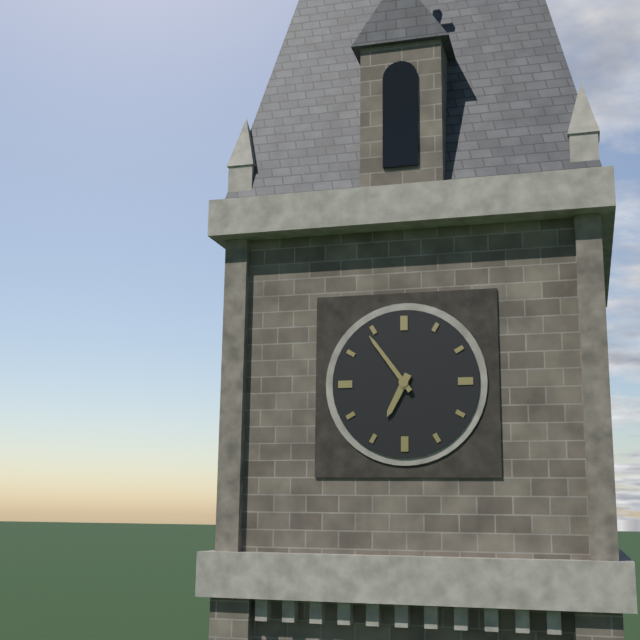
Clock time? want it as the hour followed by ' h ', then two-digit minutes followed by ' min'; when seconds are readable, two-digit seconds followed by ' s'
6 h 54 min
